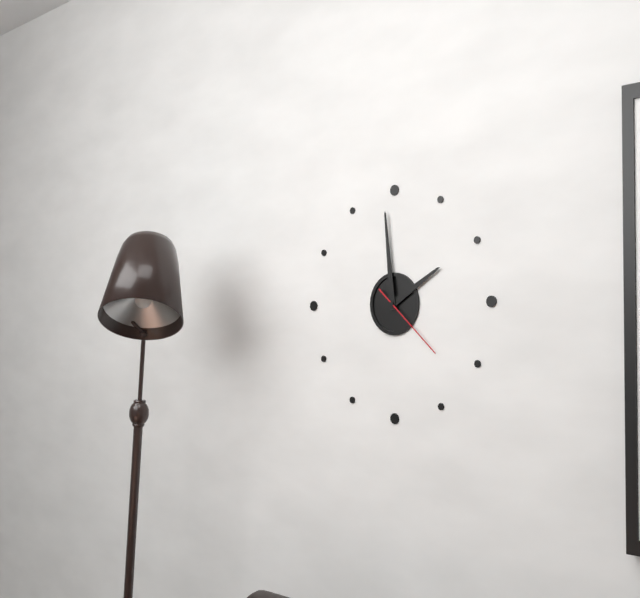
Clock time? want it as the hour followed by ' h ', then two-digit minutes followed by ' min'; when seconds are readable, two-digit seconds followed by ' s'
1 h 59 min 22 s
